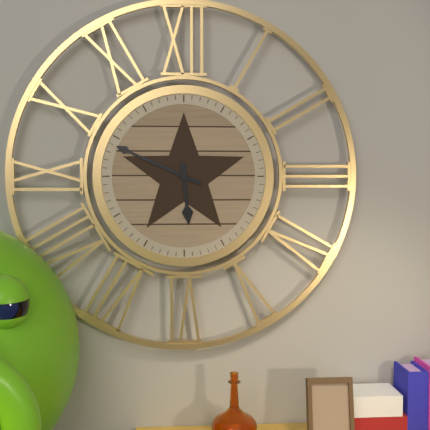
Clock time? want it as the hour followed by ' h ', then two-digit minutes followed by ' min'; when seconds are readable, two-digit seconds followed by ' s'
5 h 49 min
